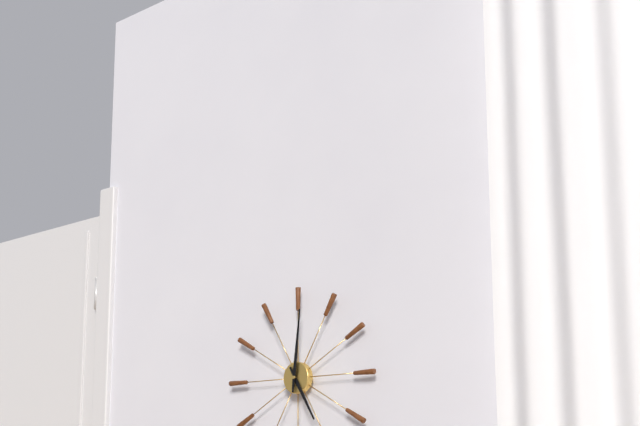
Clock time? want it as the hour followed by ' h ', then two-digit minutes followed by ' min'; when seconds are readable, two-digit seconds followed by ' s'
5 h 01 min
